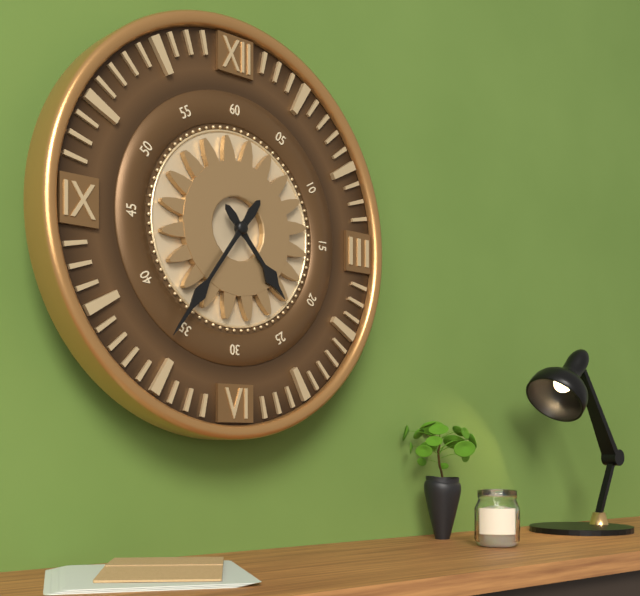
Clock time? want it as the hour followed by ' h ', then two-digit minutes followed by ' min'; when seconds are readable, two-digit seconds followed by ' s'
4 h 36 min
